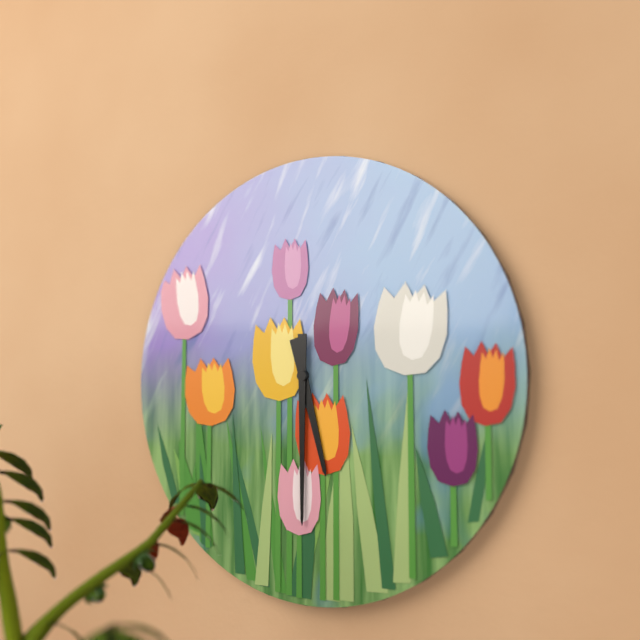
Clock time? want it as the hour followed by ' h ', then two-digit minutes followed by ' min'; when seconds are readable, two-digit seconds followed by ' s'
5 h 30 min
